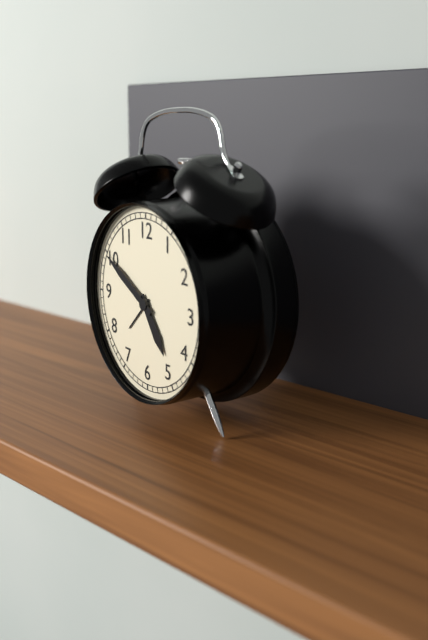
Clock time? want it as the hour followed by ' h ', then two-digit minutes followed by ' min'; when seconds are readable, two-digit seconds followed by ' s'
4 h 50 min
